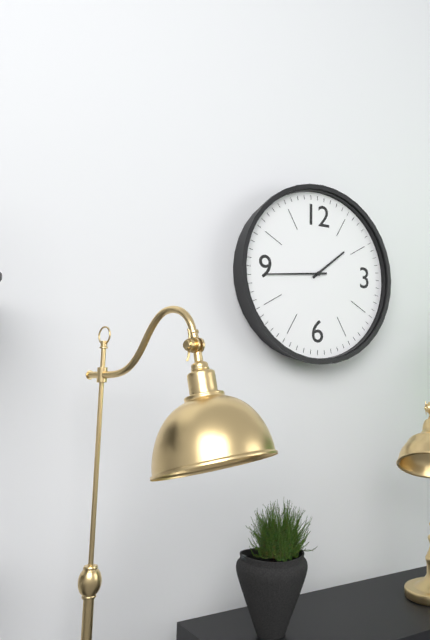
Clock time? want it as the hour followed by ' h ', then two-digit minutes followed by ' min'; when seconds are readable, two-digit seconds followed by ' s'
1 h 44 min
